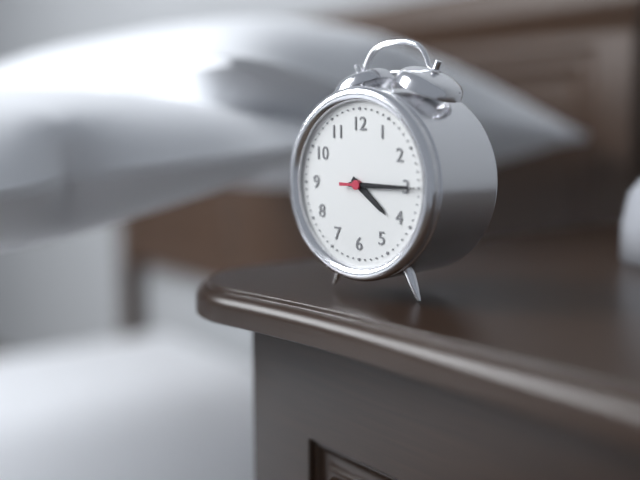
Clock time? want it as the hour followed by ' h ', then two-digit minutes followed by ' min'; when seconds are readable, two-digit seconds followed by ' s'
4 h 15 min 15 s
